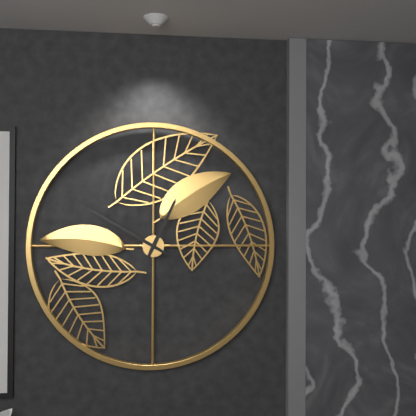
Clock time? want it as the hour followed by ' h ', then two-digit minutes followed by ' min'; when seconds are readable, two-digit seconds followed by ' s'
12 h 50 min
